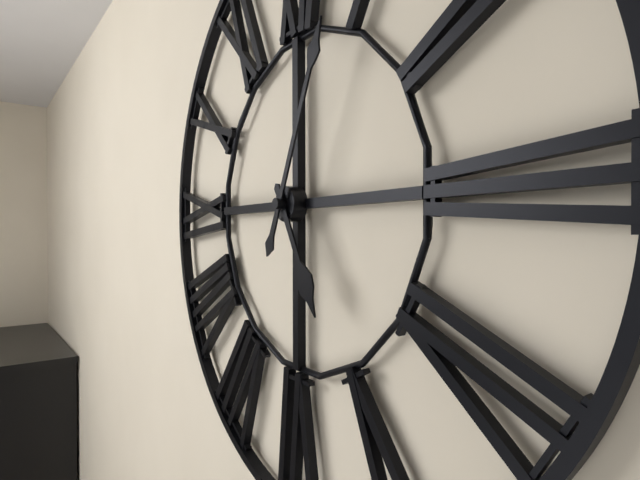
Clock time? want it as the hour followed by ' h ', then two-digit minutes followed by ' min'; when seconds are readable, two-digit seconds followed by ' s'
5 h 04 min
